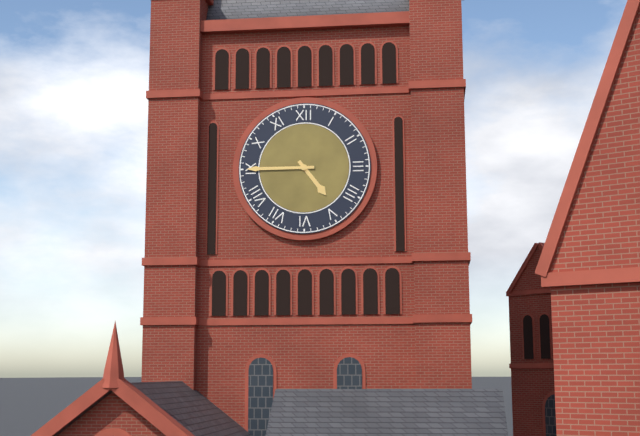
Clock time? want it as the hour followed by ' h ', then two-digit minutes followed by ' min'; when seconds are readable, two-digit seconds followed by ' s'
4 h 45 min
